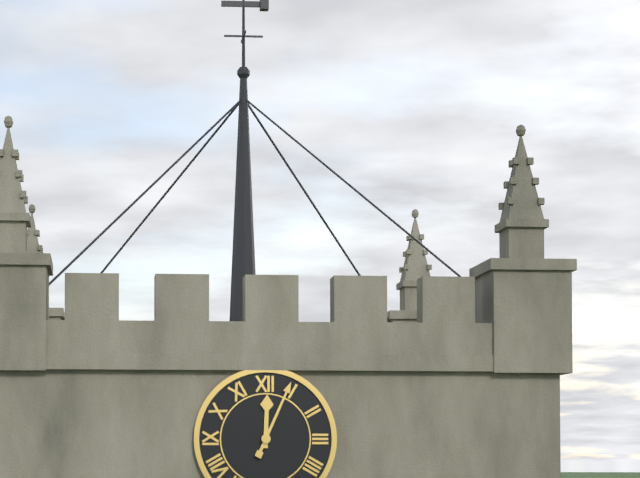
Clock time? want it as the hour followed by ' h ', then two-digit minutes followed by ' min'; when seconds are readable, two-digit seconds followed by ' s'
12 h 04 min
